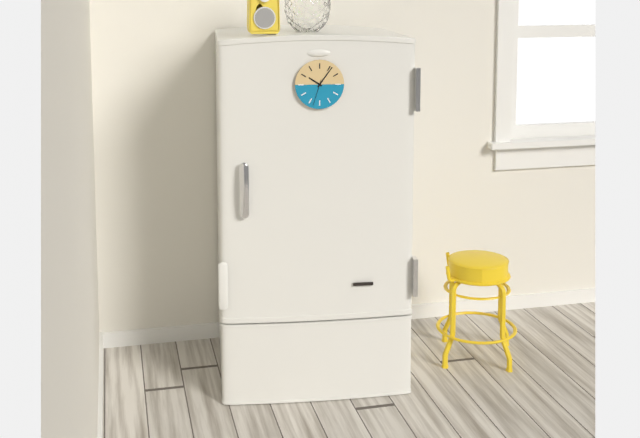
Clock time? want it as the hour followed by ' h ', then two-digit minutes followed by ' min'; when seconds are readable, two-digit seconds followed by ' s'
10 h 06 min
